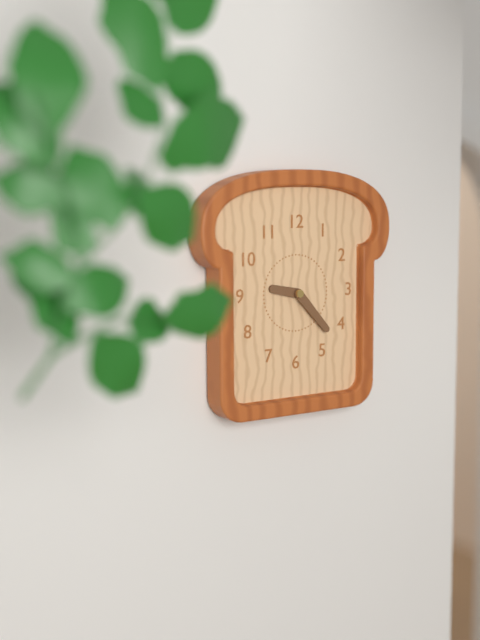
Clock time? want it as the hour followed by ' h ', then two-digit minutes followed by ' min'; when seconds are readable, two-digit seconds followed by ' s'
9 h 23 min
